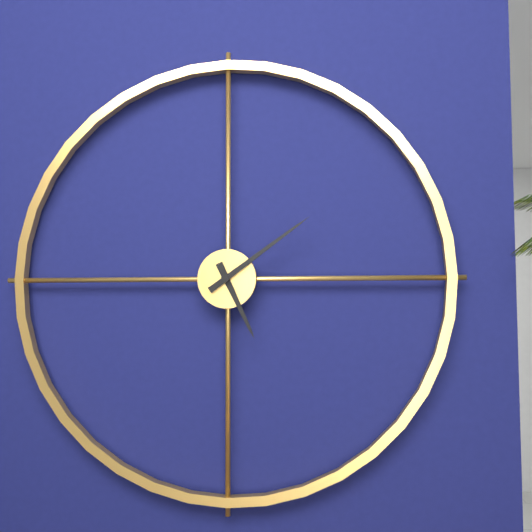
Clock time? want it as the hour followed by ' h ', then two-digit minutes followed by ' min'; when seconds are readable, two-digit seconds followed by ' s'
5 h 09 min
